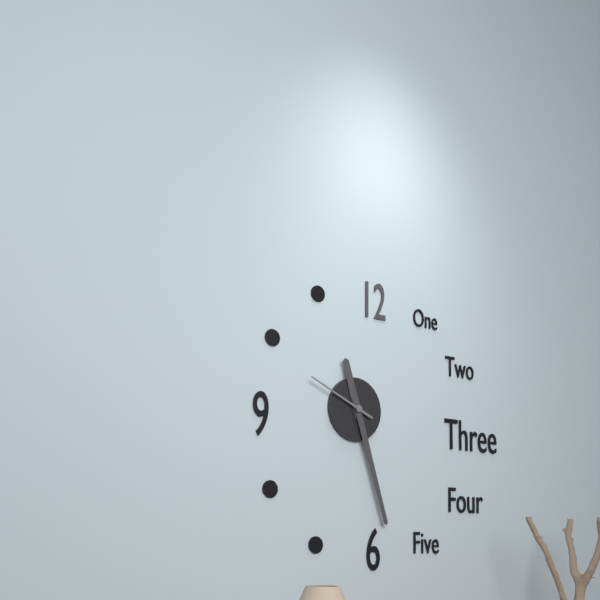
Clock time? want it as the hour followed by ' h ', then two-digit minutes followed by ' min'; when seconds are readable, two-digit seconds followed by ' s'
11 h 27 min 49 s
